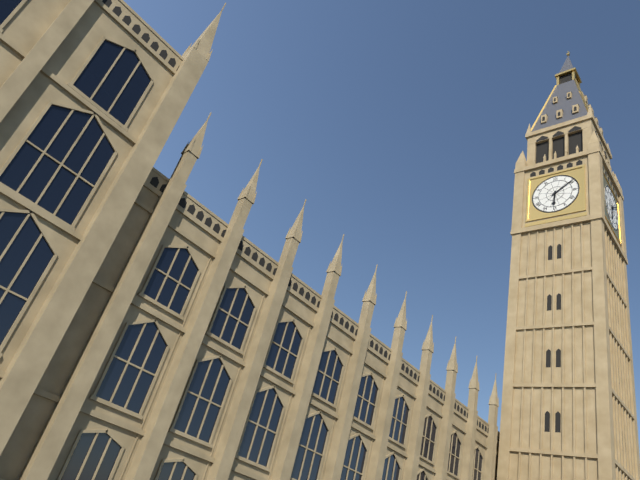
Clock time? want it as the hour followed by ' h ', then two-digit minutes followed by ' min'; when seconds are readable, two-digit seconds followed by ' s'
6 h 09 min
